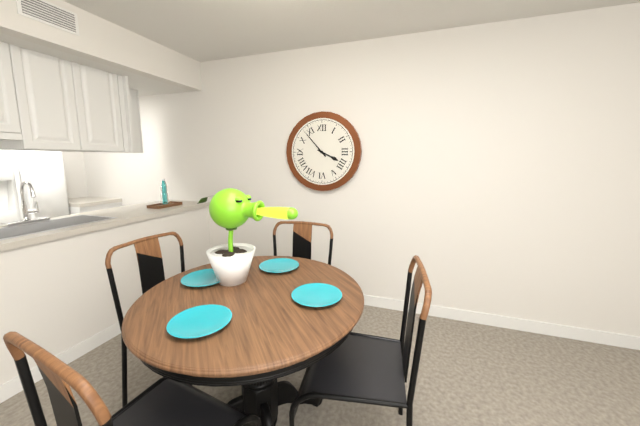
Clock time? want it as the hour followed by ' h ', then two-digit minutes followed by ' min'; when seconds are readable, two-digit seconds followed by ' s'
3 h 53 min
